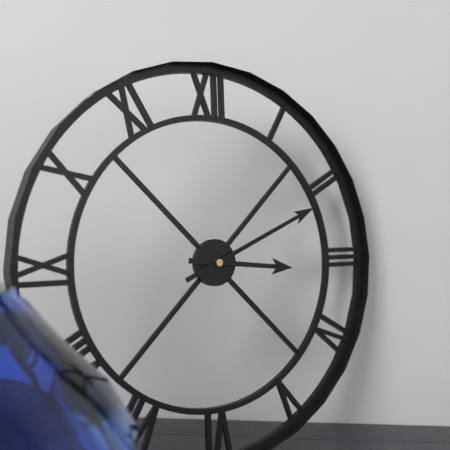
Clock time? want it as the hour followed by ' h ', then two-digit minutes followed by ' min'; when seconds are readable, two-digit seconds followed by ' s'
3 h 11 min
